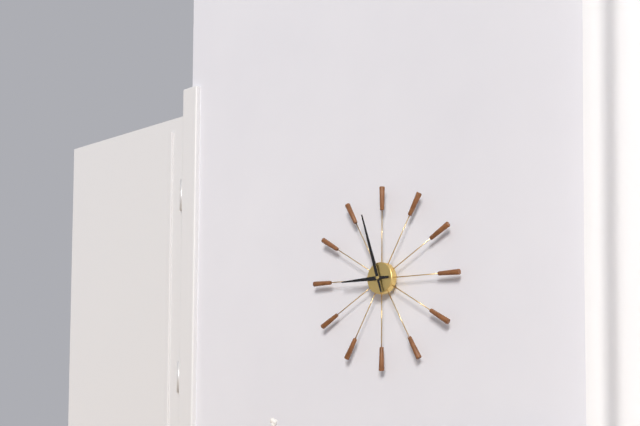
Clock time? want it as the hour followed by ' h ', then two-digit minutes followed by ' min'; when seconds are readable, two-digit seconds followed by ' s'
8 h 57 min
